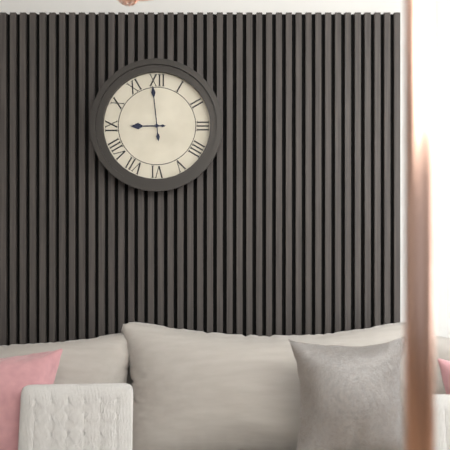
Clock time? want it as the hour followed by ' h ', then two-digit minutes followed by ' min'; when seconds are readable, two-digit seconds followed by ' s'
8 h 59 min
